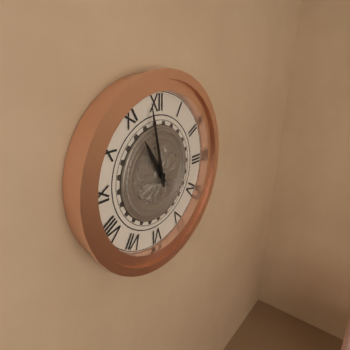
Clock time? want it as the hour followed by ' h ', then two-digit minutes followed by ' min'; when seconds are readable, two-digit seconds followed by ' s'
10 h 58 min
